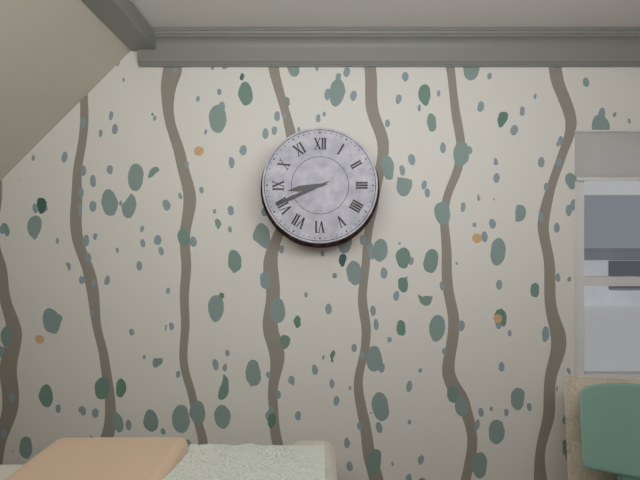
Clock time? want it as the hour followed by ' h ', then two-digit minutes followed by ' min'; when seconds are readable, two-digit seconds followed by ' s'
8 h 41 min
